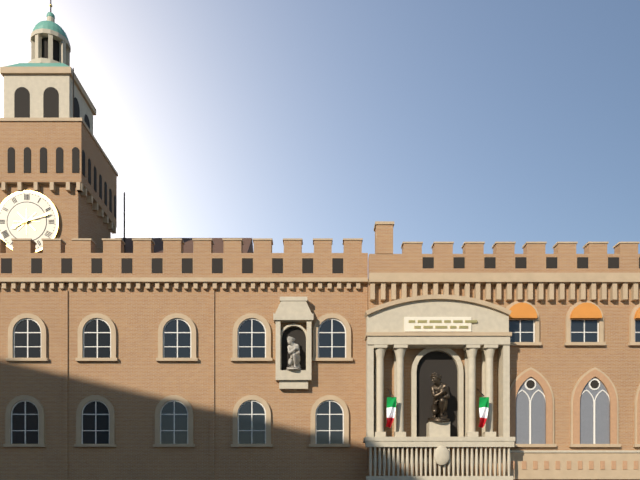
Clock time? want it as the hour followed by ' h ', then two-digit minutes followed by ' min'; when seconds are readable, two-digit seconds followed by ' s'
8 h 12 min
